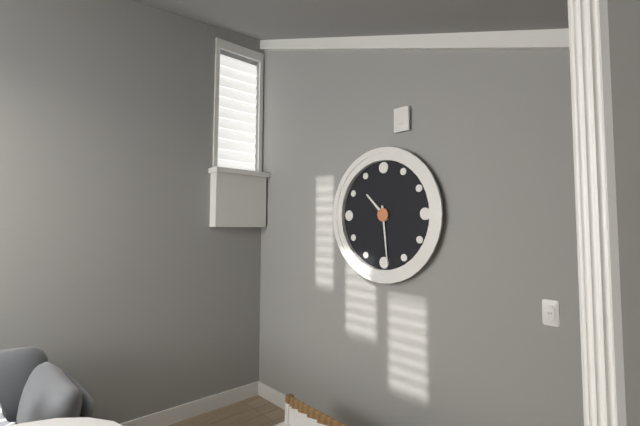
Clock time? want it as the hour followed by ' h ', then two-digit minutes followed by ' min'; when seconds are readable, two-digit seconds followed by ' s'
10 h 29 min
